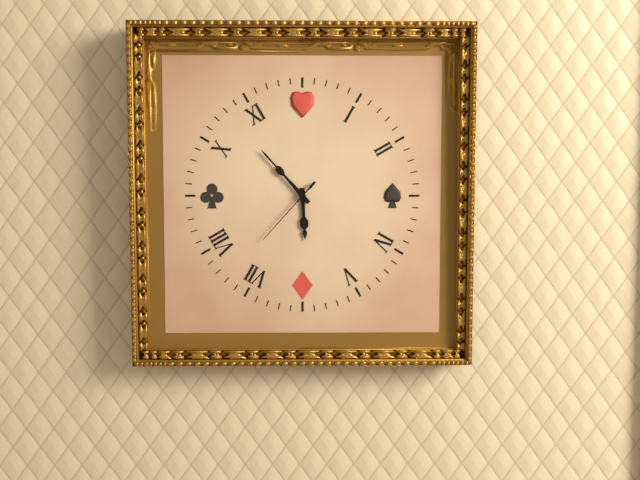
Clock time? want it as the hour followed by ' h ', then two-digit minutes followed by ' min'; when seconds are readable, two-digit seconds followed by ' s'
5 h 53 min 37 s
